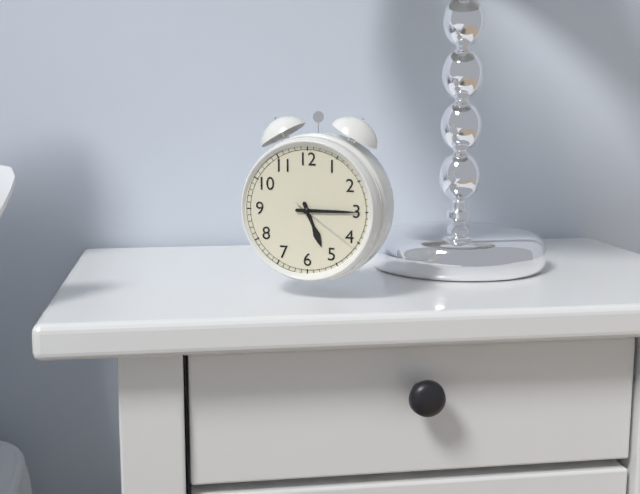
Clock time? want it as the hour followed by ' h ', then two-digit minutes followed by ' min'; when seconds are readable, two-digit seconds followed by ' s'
5 h 15 min 21 s
